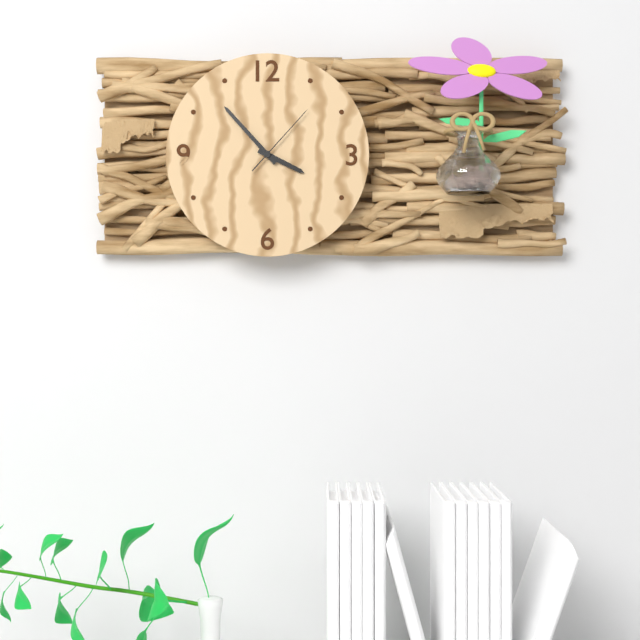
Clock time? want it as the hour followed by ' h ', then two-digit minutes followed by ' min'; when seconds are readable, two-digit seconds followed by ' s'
3 h 53 min 07 s
